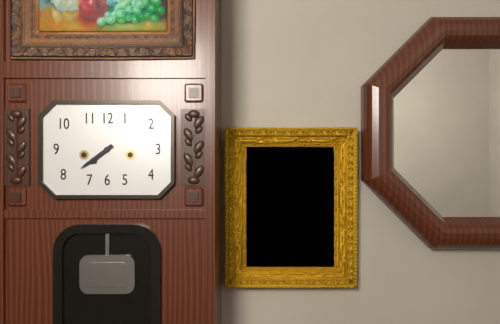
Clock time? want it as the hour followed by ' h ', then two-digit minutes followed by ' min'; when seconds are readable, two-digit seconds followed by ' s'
7 h 39 min
